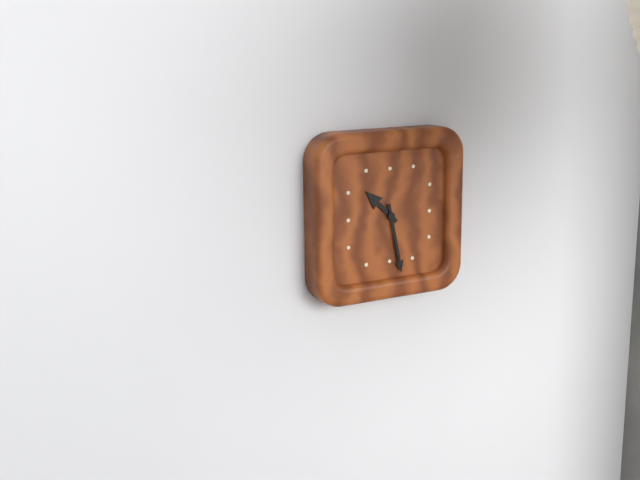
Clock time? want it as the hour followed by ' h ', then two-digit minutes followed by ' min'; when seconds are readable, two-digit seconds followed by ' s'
10 h 28 min
